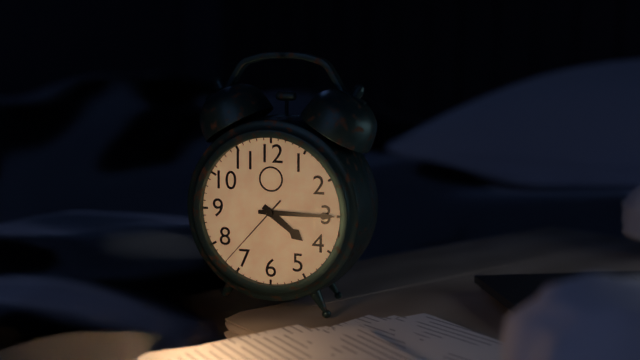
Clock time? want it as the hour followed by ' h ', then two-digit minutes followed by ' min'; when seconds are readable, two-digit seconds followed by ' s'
4 h 15 min 37 s
